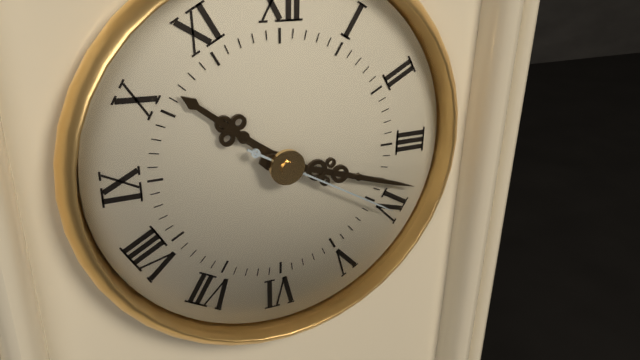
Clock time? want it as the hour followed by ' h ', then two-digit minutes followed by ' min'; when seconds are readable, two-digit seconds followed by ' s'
10 h 18 min 20 s
